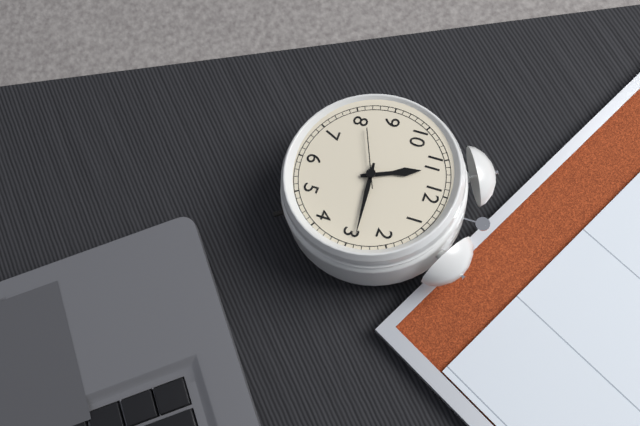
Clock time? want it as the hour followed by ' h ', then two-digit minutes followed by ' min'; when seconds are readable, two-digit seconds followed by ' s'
11 h 14 min 41 s
